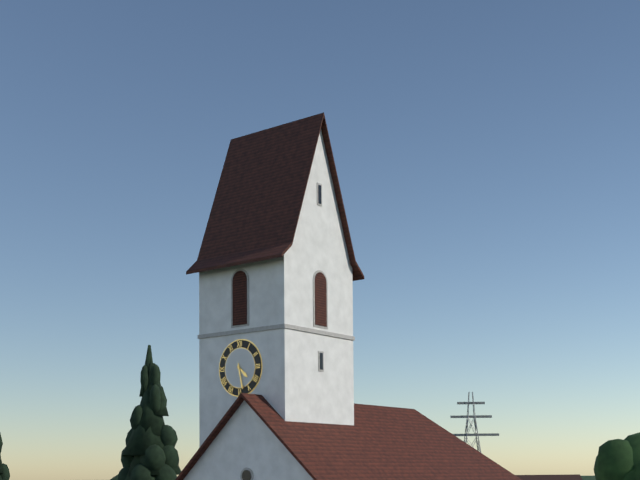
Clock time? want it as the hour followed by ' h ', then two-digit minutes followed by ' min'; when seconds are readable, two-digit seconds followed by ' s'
4 h 28 min
